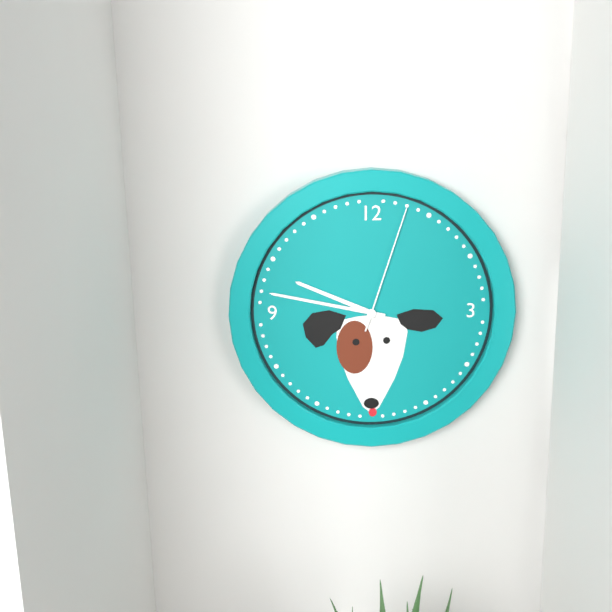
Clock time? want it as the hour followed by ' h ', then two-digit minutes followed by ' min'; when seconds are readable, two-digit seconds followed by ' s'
9 h 47 min 03 s
